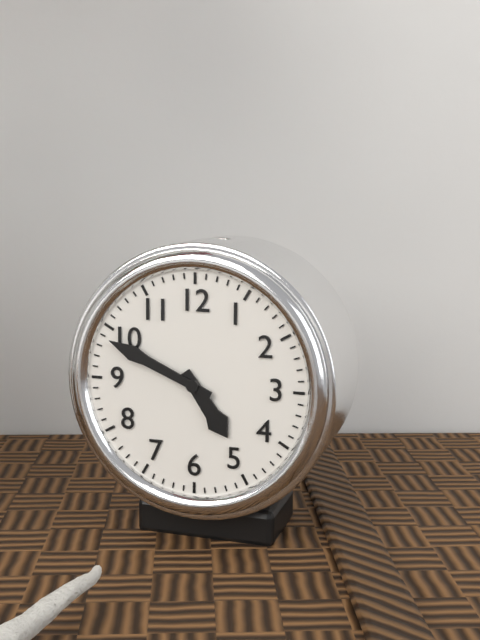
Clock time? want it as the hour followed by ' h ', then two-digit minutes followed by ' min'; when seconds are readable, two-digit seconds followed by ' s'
4 h 49 min
